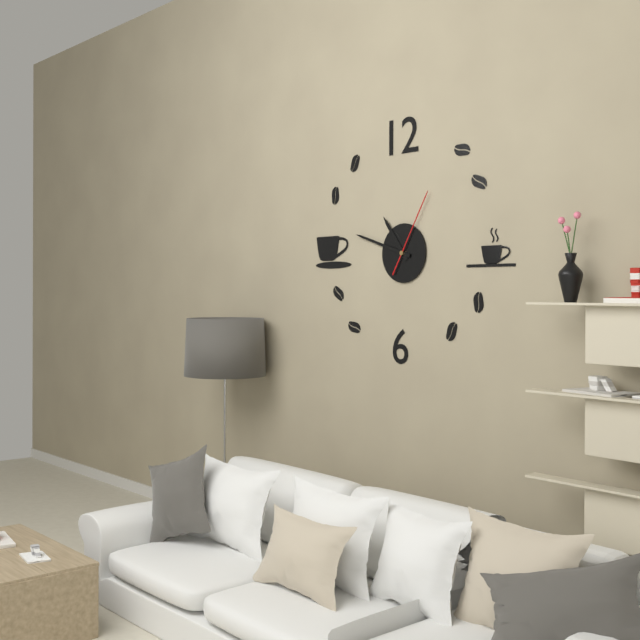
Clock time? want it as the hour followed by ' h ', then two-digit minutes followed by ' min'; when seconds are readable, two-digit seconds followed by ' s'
10 h 48 min 05 s
